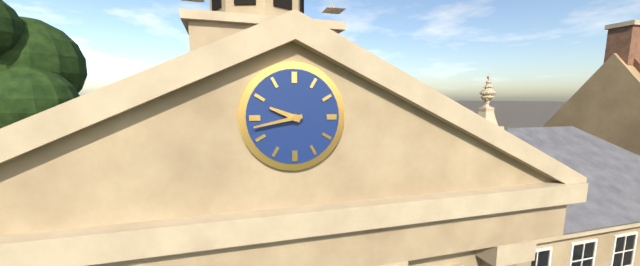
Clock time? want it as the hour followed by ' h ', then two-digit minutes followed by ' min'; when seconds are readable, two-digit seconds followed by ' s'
9 h 43 min
